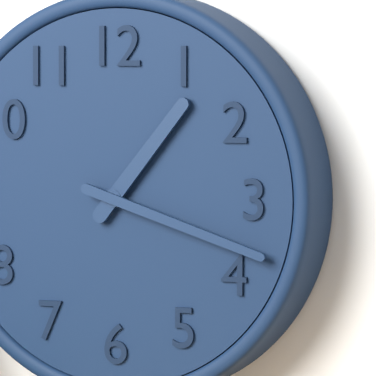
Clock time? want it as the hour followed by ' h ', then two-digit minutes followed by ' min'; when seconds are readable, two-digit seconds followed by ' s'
1 h 18 min
